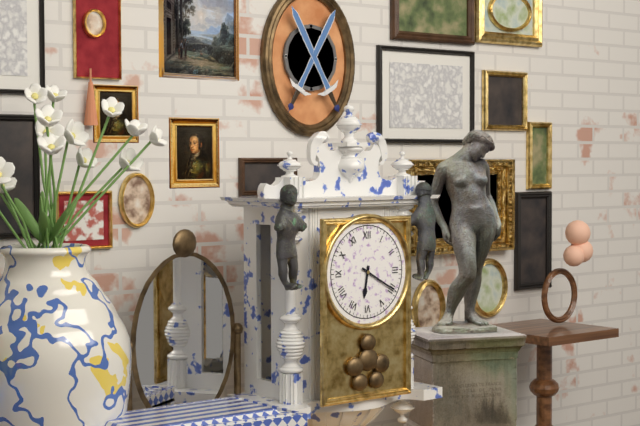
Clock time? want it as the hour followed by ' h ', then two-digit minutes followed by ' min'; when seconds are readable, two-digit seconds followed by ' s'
6 h 20 min
